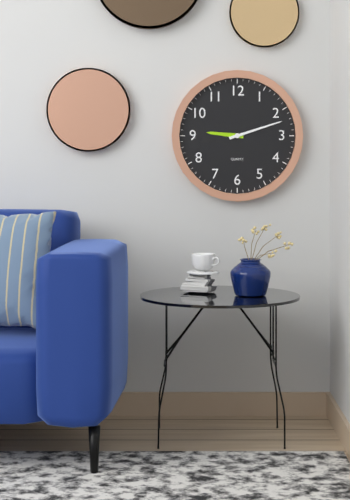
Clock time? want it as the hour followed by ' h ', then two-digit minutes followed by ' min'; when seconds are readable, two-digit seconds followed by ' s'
9 h 12 min
